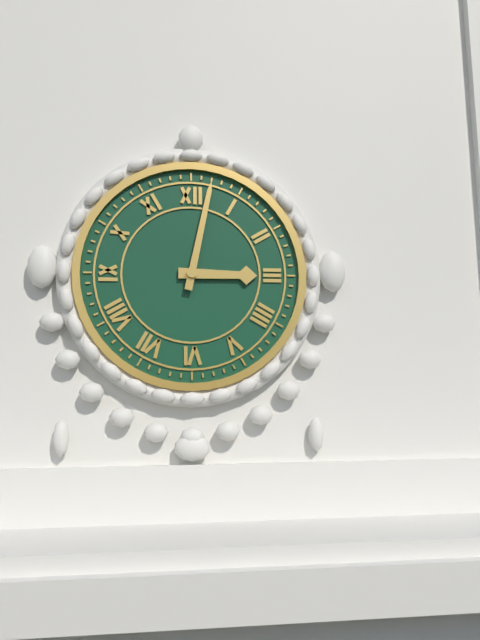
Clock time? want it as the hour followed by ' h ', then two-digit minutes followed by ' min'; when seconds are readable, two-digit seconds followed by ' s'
3 h 02 min
